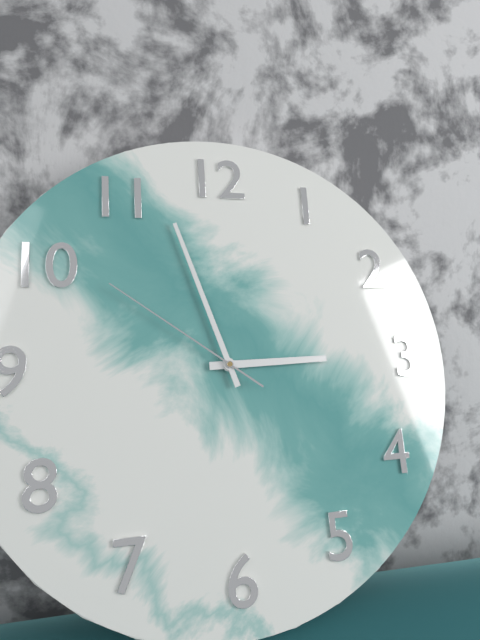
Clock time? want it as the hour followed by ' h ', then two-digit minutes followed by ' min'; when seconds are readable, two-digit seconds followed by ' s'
2 h 57 min 51 s
